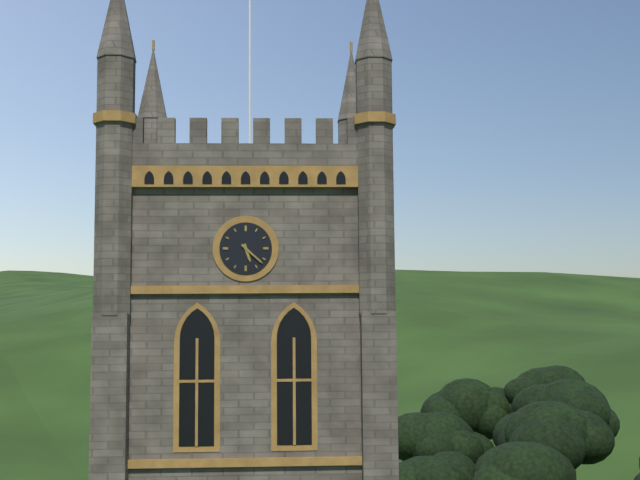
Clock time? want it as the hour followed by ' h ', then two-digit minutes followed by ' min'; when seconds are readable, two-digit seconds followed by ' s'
5 h 22 min
